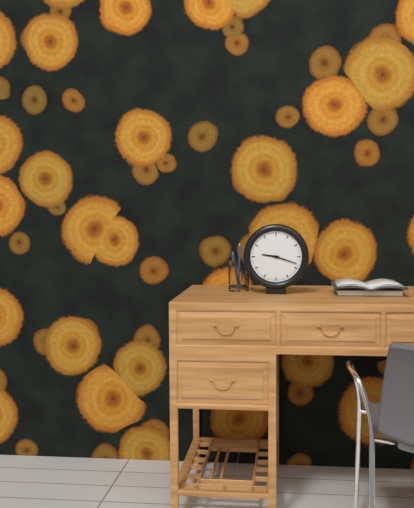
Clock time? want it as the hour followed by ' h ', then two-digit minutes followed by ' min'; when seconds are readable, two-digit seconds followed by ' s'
9 h 18 min
